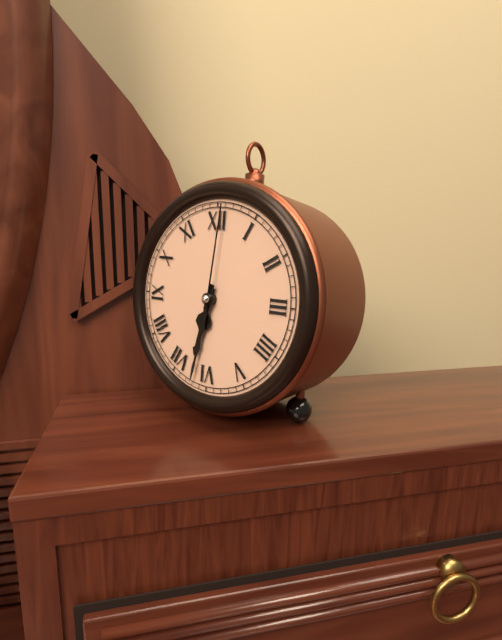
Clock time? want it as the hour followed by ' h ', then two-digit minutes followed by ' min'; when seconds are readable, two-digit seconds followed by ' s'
6 h 32 min 01 s
